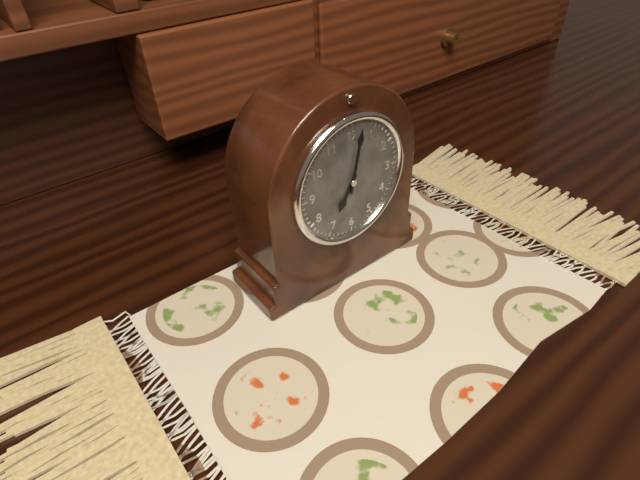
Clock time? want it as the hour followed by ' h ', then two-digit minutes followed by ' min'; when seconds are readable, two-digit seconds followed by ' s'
7 h 02 min
